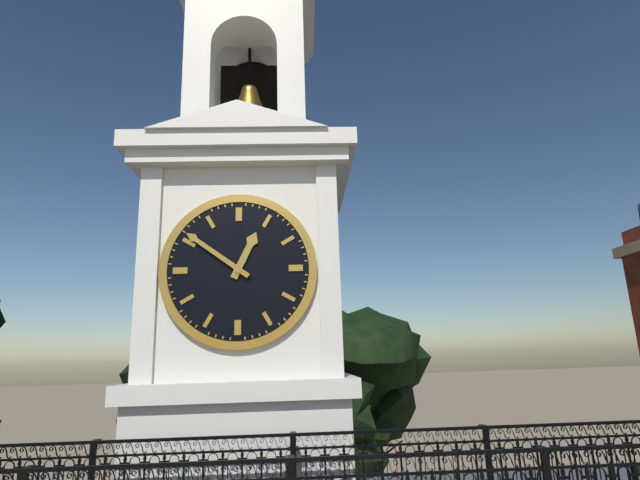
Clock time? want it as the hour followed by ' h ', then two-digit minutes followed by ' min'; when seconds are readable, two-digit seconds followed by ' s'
12 h 51 min
